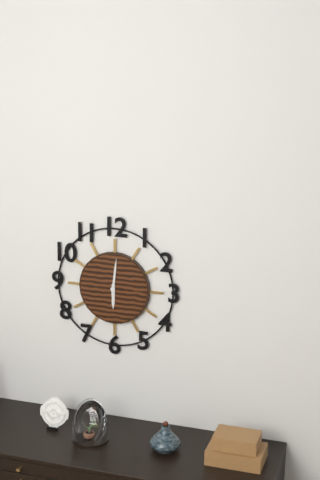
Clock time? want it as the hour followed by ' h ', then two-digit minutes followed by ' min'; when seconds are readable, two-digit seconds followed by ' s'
6 h 01 min
